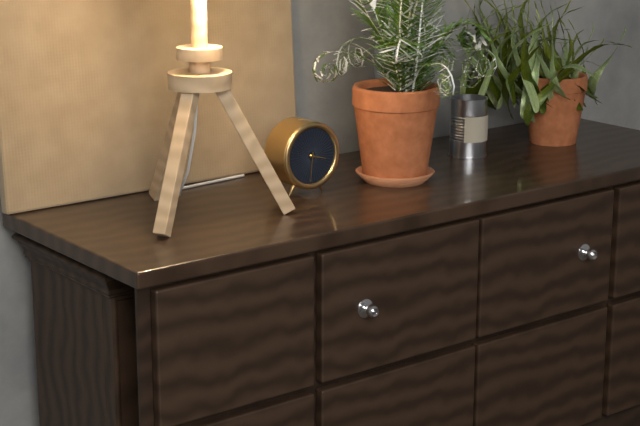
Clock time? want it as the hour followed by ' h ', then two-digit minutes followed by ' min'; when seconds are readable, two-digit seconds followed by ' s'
3 h 31 min
